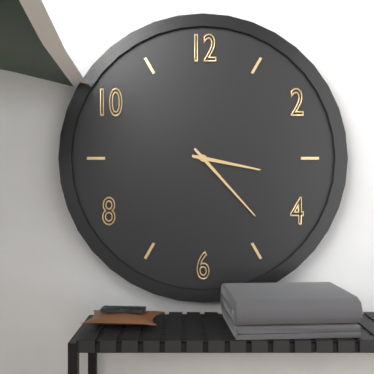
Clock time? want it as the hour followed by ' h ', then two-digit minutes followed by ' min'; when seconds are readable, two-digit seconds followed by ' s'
3 h 23 min
